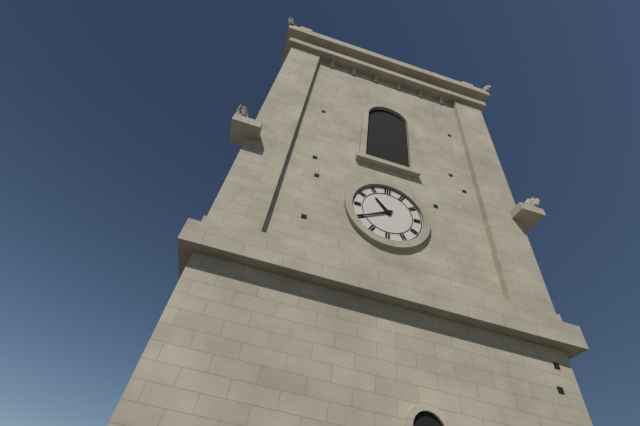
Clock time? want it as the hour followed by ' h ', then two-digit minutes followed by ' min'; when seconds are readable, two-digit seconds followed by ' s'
10 h 40 min
